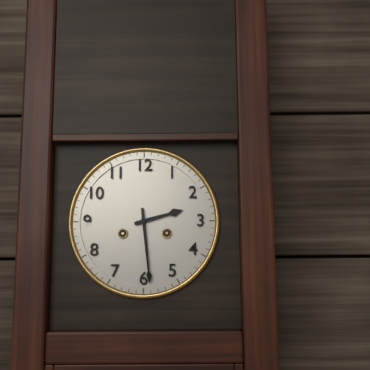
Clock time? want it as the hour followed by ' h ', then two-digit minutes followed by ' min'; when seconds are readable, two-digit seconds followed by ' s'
2 h 29 min
